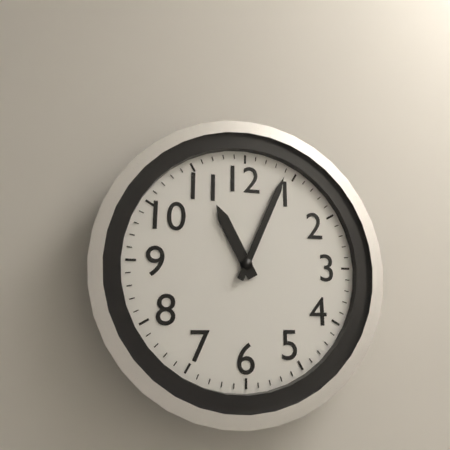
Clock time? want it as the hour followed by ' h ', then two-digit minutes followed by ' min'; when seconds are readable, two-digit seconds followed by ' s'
11 h 04 min
